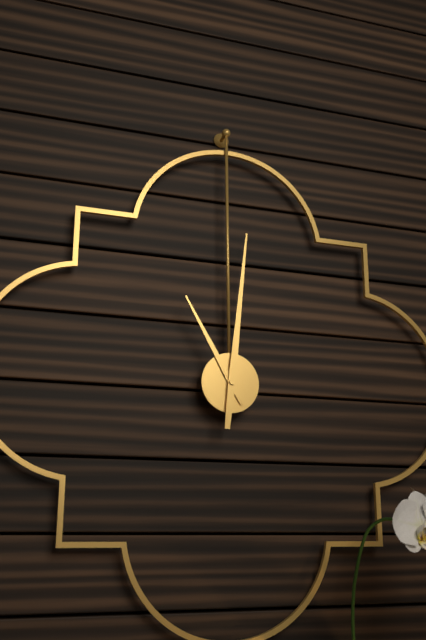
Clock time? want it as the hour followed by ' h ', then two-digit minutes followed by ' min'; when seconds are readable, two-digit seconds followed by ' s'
11 h 01 min
